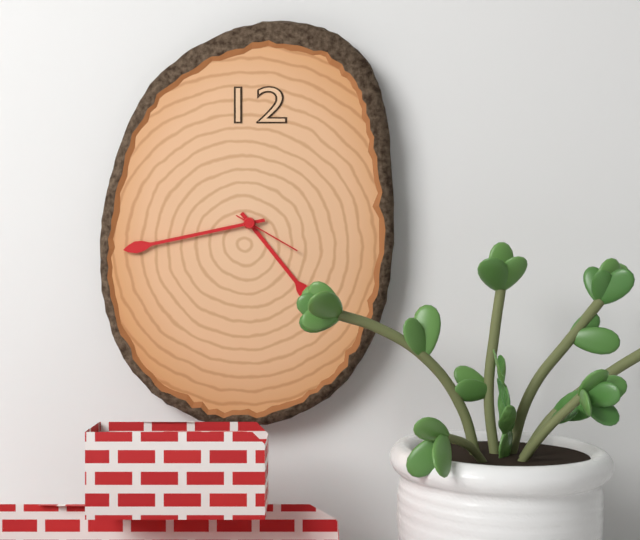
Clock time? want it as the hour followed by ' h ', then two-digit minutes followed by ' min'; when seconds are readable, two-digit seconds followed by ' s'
4 h 43 min 20 s
